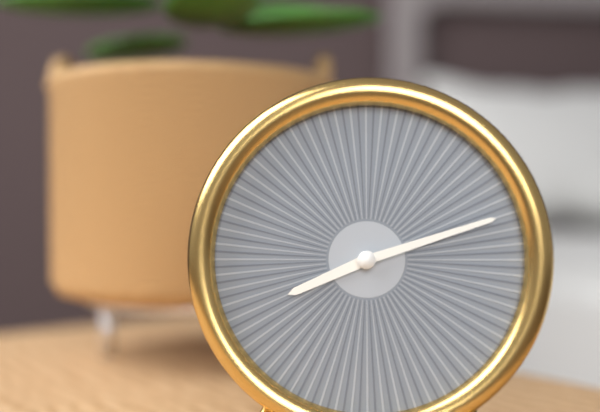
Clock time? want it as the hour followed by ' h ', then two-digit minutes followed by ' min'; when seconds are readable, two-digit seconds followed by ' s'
8 h 12 min
